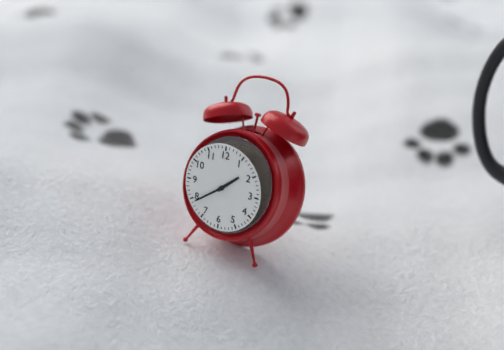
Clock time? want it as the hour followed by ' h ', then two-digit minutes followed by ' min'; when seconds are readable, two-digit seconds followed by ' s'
1 h 39 min
